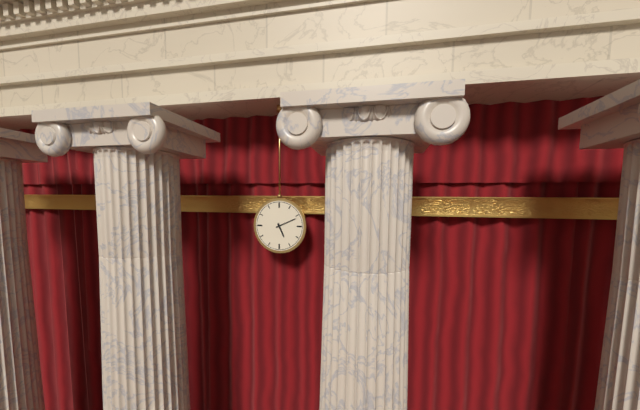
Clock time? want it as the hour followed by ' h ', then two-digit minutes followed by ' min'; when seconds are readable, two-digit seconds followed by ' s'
5 h 11 min
